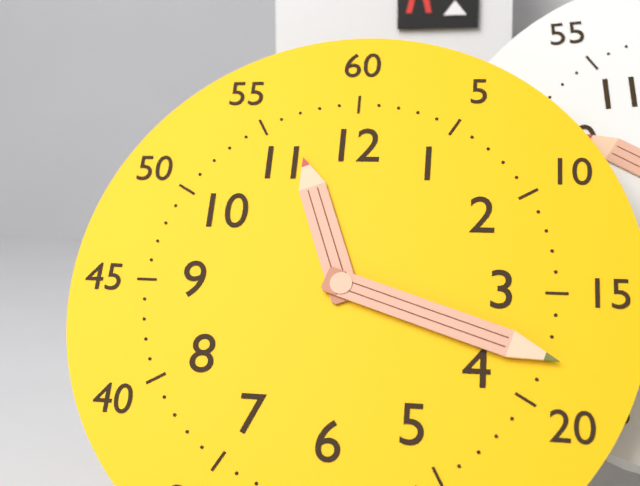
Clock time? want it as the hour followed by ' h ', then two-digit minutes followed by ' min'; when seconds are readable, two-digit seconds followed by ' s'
11 h 18 min
